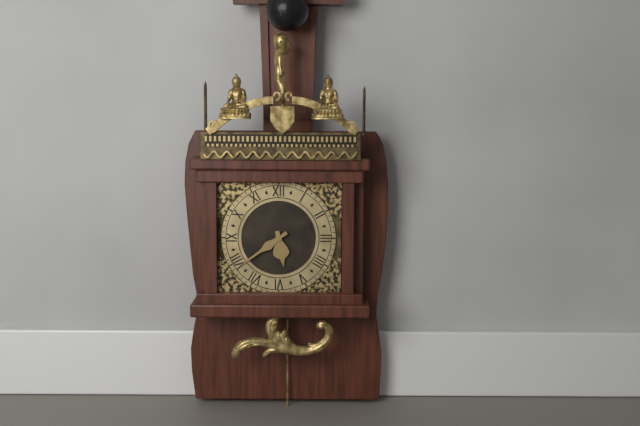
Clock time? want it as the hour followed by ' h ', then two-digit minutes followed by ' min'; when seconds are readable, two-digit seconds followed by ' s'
5 h 39 min
